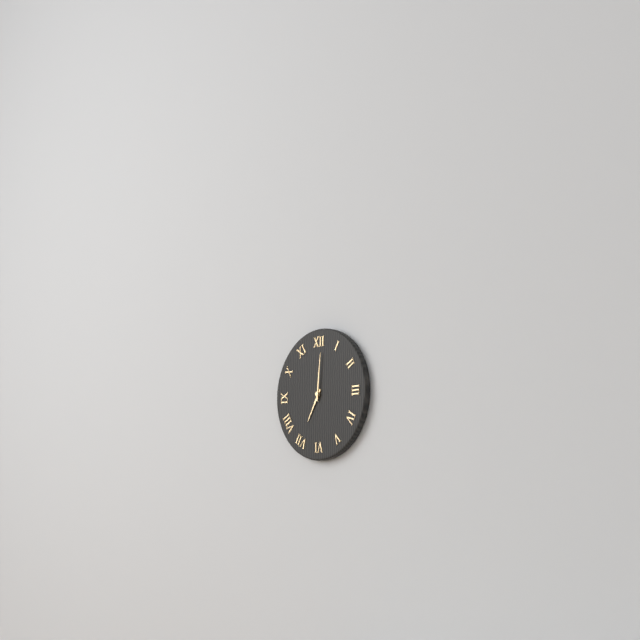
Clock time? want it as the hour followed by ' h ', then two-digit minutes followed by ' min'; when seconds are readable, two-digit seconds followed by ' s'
7 h 01 min
